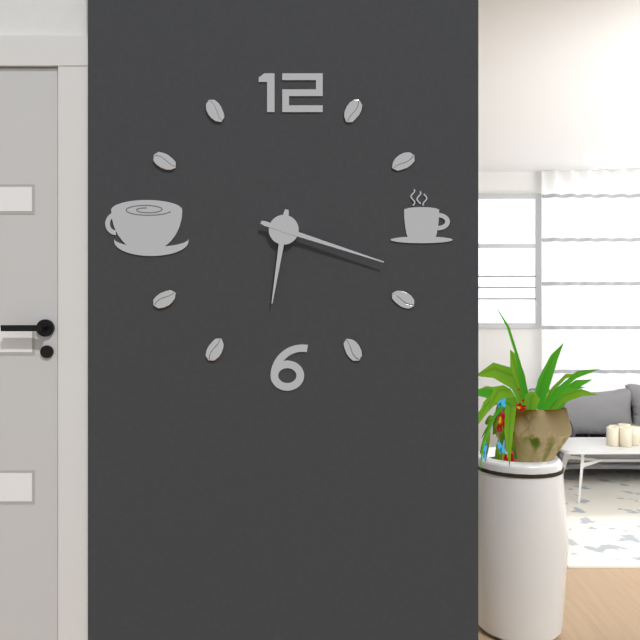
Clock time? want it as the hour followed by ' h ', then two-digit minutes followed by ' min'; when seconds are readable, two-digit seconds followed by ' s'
6 h 18 min
